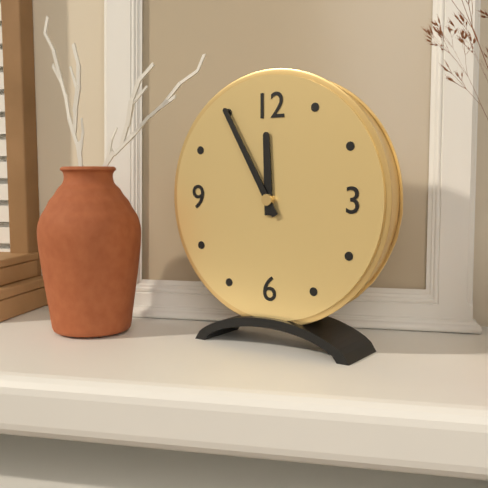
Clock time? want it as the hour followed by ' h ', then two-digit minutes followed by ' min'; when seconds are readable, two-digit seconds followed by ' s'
11 h 55 min
